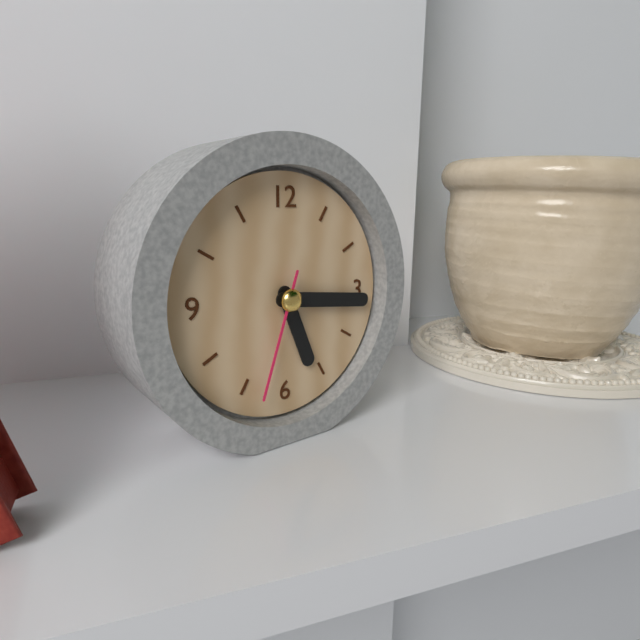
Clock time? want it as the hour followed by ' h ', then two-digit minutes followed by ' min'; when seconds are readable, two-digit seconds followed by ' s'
5 h 16 min 33 s
